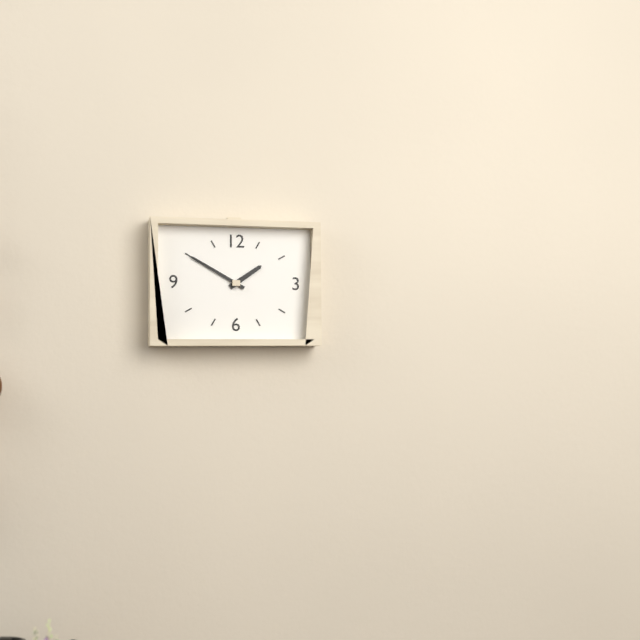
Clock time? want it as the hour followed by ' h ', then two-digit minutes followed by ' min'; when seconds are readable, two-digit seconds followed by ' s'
1 h 50 min
